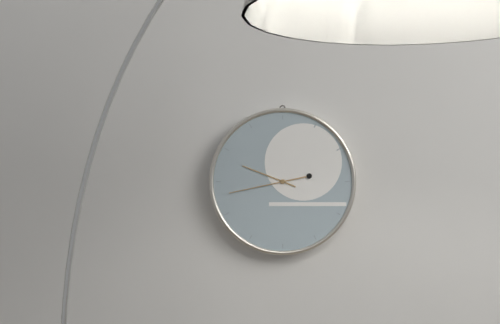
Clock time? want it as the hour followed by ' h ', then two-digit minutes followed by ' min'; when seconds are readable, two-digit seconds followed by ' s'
9 h 43 min
